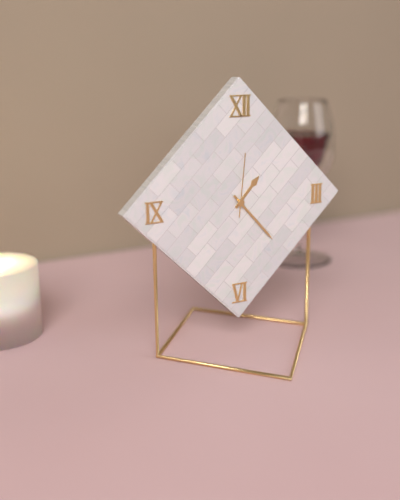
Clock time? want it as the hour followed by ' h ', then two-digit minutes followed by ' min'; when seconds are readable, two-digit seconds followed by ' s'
1 h 23 min 01 s
